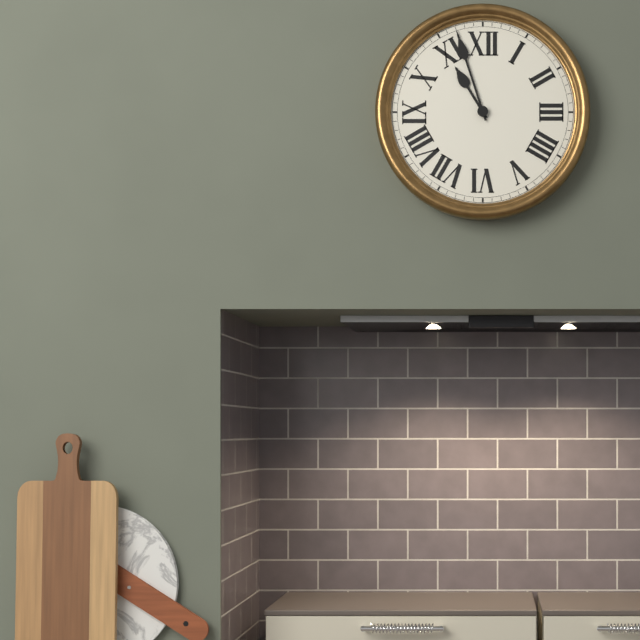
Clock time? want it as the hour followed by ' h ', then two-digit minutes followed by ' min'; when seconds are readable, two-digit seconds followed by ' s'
10 h 57 min
